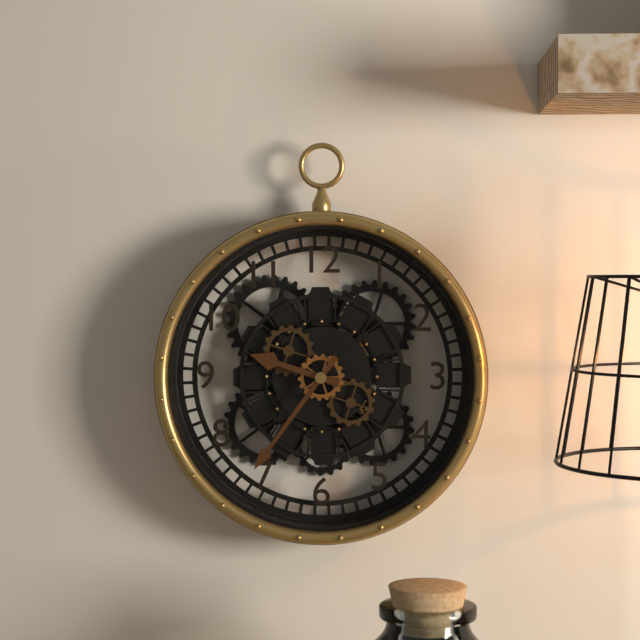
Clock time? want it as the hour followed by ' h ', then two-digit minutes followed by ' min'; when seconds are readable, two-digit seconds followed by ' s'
9 h 36 min
